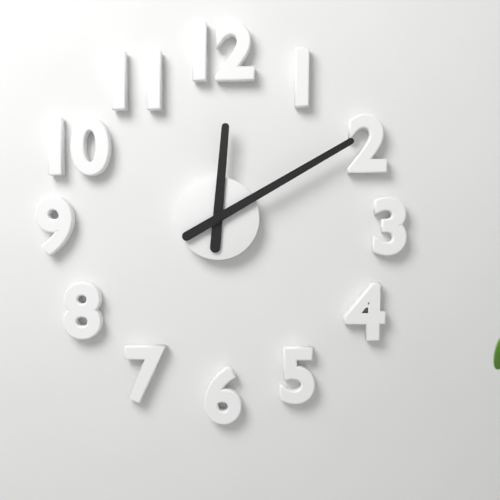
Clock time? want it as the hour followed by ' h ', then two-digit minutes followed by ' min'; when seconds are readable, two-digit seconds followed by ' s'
12 h 10 min
